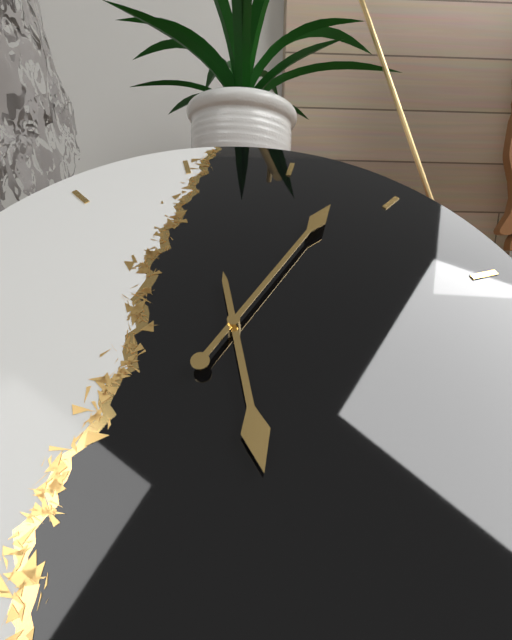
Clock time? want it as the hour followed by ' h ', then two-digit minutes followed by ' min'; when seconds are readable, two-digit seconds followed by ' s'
6 h 08 min
